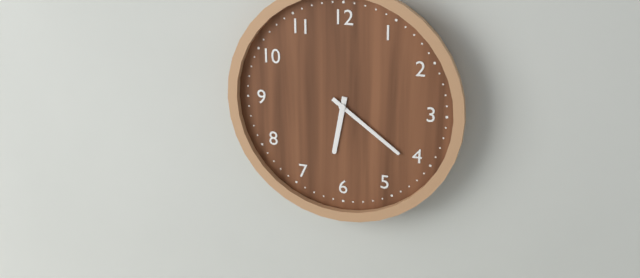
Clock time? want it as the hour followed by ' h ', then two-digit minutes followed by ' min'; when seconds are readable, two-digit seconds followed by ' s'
6 h 21 min
